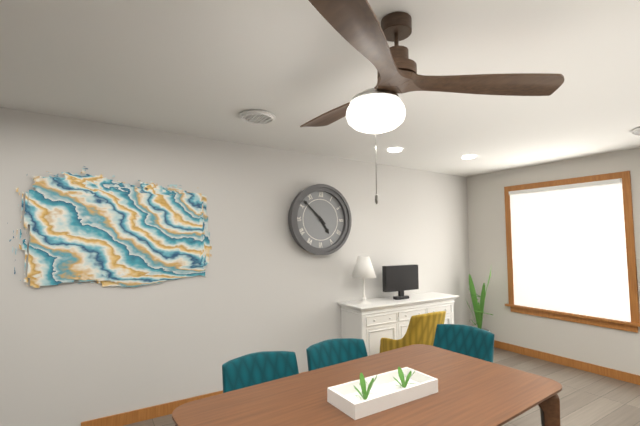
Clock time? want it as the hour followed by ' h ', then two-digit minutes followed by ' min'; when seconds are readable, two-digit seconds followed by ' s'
4 h 52 min
